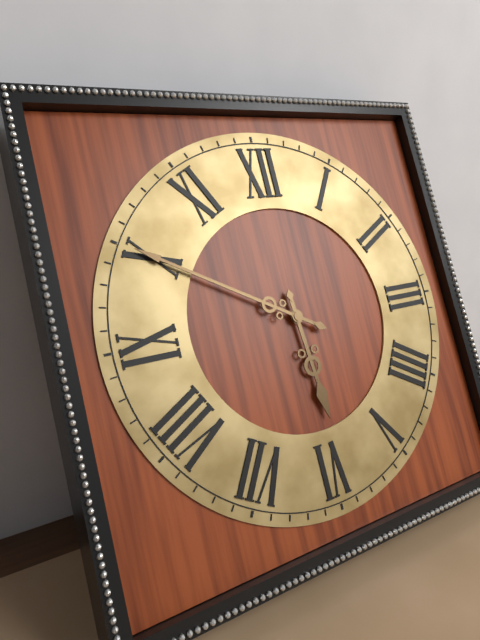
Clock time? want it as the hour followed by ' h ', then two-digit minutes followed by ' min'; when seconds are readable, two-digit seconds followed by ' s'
5 h 50 min
